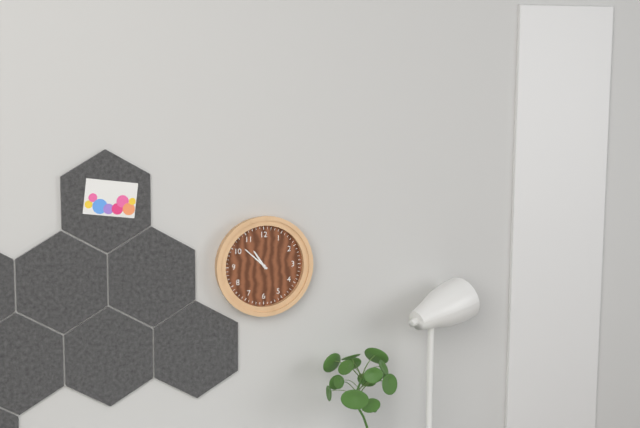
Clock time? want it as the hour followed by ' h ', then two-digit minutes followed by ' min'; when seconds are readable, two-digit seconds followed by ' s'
10 h 52 min
